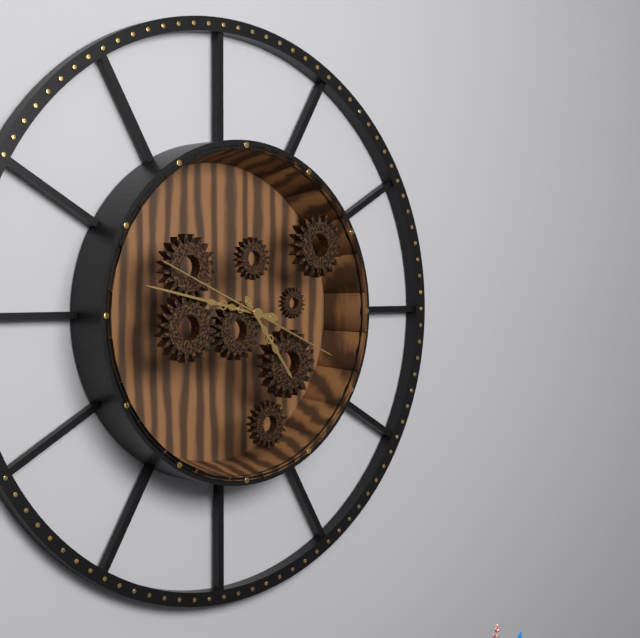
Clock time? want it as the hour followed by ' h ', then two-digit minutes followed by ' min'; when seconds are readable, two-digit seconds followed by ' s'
4 h 47 min 49 s
